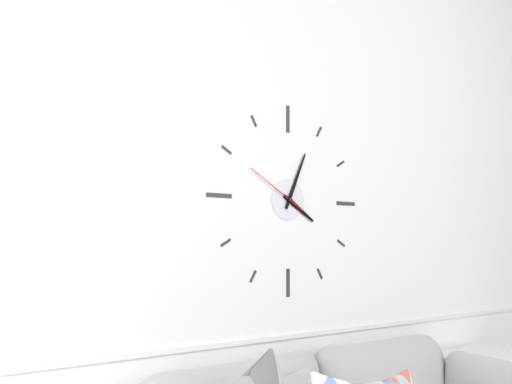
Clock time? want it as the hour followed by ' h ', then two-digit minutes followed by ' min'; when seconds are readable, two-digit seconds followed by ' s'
4 h 04 min 50 s
